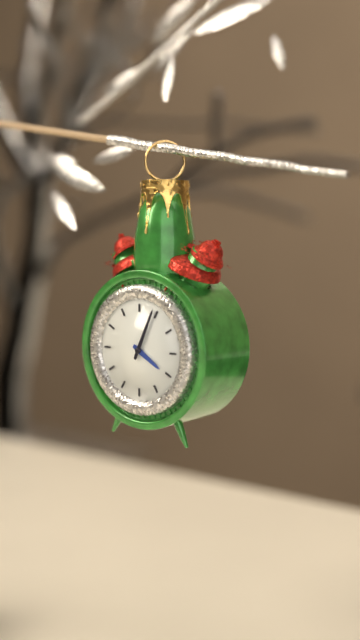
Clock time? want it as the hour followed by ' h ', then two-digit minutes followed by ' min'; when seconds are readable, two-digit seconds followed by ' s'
4 h 04 min
